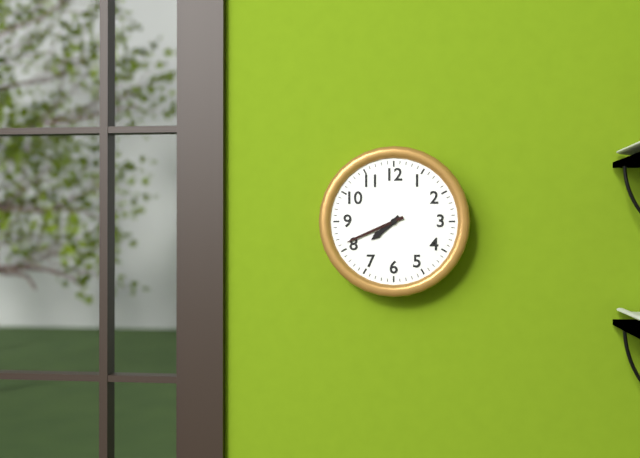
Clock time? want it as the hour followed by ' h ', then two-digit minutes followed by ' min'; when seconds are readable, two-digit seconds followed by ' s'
7 h 41 min
